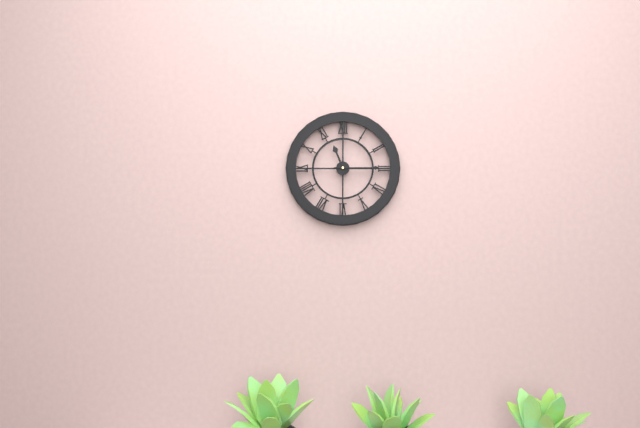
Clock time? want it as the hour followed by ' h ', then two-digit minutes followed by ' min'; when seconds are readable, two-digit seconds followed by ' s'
11 h 15 min
